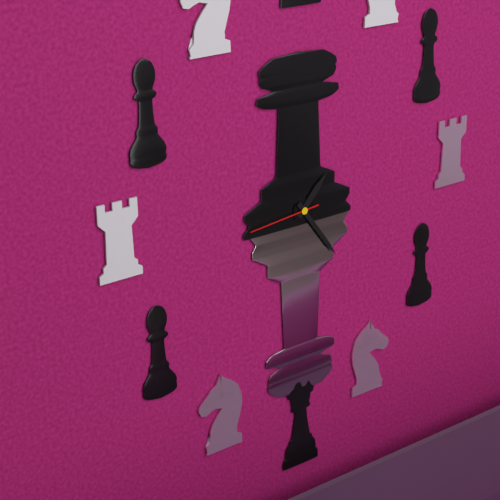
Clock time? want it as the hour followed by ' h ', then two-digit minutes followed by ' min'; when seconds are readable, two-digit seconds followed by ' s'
1 h 24 min 44 s
